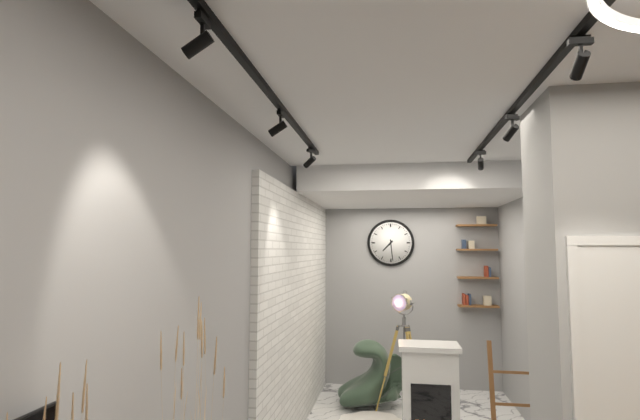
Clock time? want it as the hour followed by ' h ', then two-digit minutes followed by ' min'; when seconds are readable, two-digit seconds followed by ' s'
7 h 29 min
